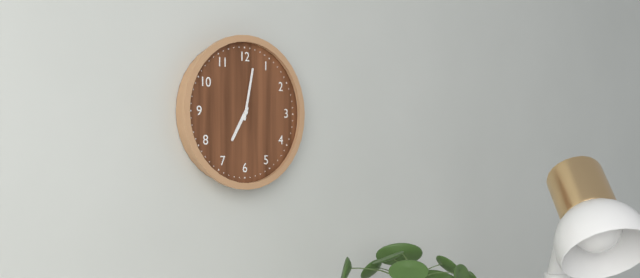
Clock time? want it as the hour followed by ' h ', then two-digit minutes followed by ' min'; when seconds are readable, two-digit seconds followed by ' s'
7 h 02 min
